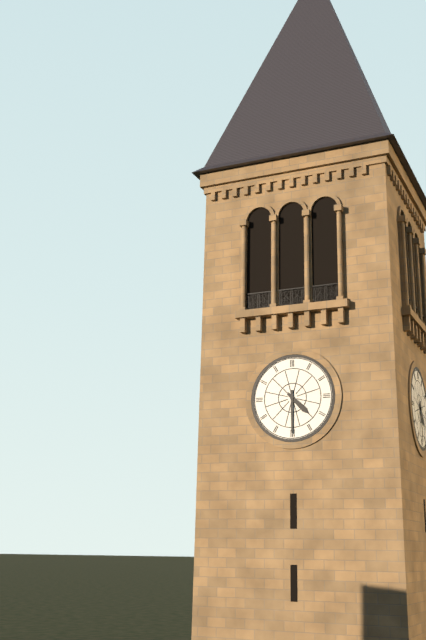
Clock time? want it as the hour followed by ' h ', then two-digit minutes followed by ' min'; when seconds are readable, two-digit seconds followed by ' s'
4 h 30 min
